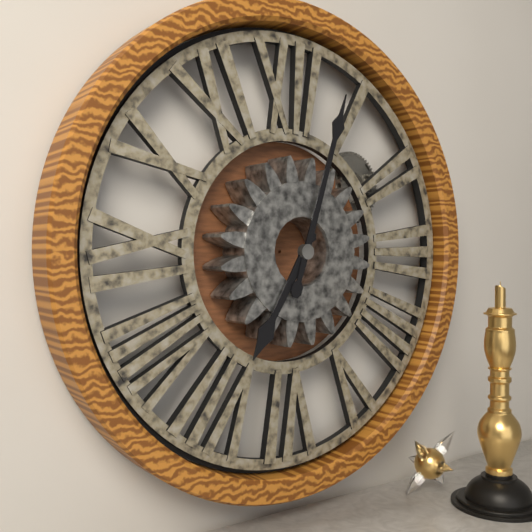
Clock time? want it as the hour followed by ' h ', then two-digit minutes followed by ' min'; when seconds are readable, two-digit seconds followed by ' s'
7 h 03 min
